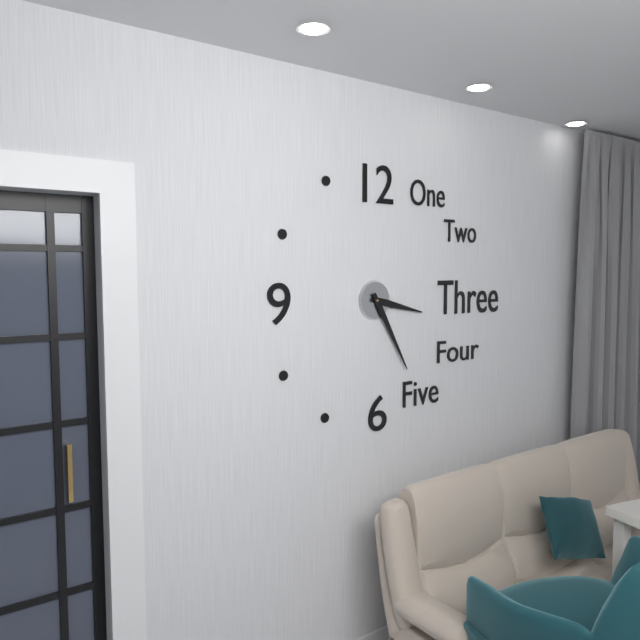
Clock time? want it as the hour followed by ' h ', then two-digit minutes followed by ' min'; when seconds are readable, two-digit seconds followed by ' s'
3 h 25 min
